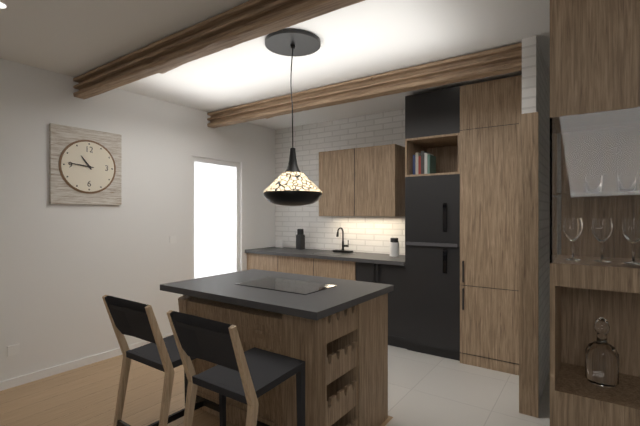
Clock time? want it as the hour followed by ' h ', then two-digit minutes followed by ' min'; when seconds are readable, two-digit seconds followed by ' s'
10 h 46 min
